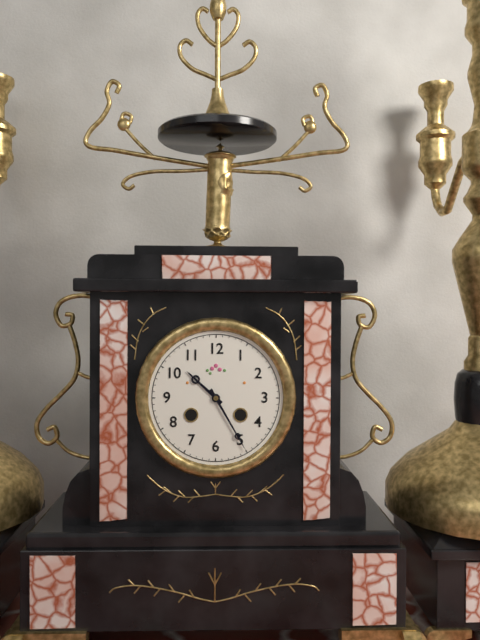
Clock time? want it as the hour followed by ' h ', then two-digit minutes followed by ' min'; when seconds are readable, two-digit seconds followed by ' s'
10 h 25 min
